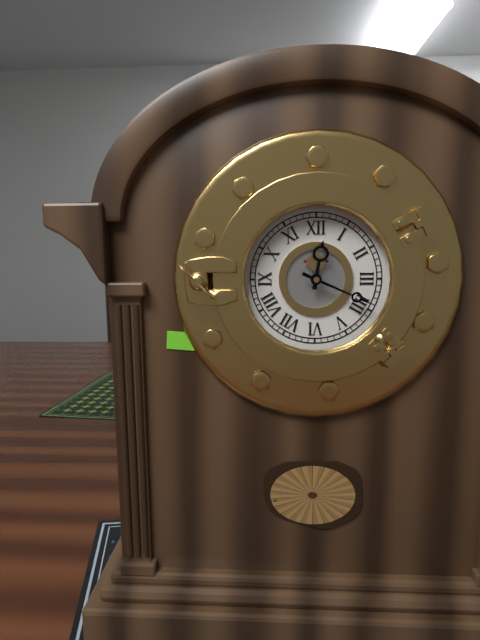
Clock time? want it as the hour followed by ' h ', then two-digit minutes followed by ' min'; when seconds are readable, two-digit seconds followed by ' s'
12 h 19 min
